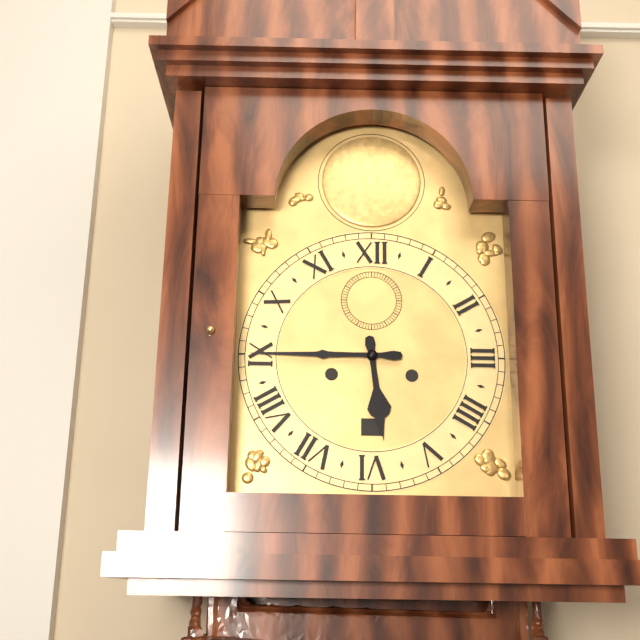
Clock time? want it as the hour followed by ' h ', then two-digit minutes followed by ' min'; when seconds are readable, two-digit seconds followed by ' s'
5 h 45 min
